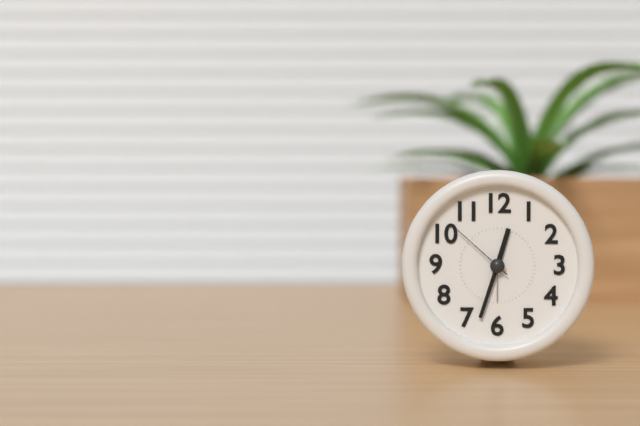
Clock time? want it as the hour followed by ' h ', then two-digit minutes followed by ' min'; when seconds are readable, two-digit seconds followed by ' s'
12 h 33 min 52 s
